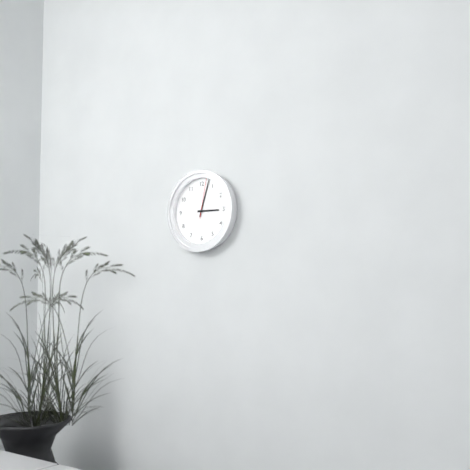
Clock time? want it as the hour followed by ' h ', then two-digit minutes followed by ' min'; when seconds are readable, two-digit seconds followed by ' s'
3 h 03 min
